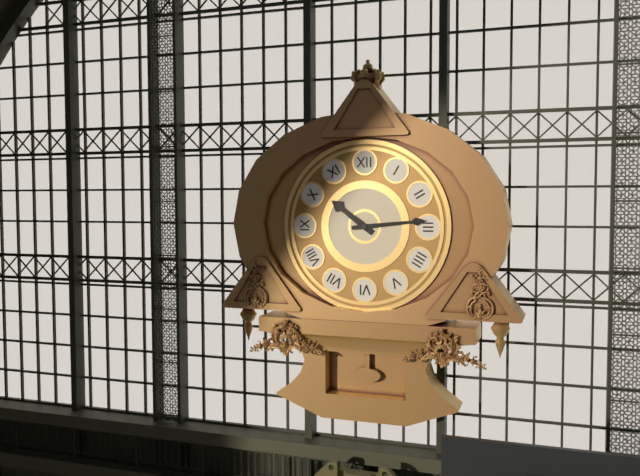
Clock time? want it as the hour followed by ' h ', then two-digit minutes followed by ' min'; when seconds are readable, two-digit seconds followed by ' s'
10 h 14 min
